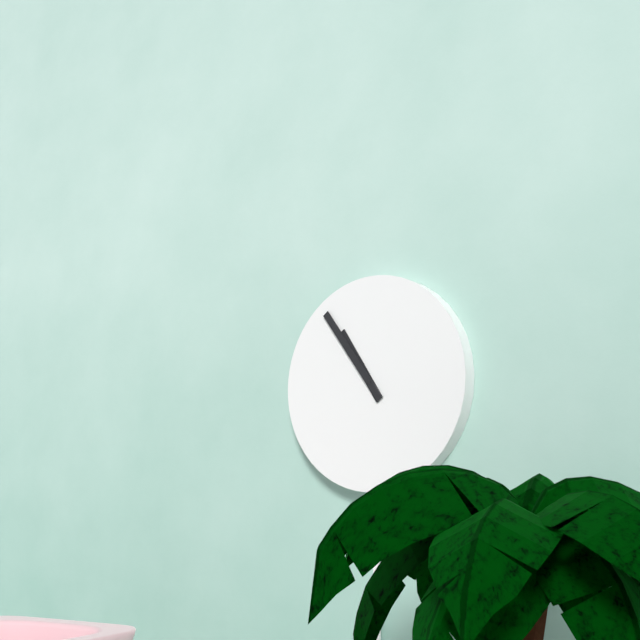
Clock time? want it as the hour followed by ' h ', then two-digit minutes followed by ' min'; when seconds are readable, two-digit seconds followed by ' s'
10 h 54 min
